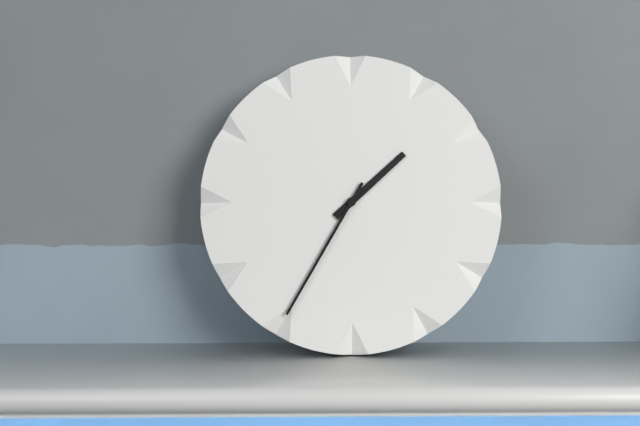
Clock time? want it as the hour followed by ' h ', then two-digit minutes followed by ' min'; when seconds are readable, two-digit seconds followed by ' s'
1 h 35 min
